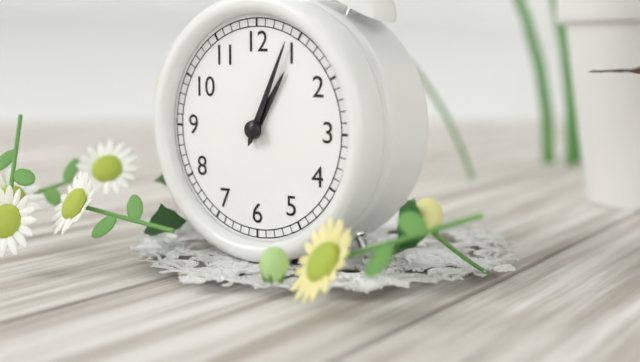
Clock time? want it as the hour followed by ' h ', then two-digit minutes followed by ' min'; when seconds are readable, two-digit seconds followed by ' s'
1 h 04 min
